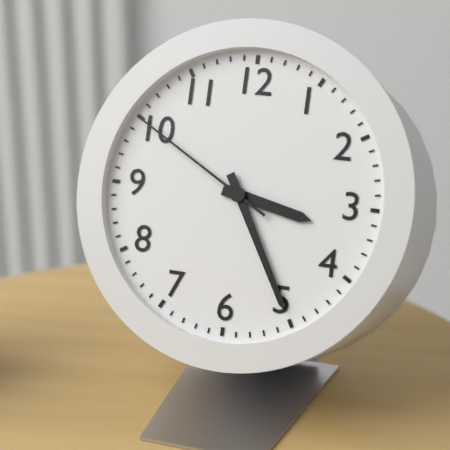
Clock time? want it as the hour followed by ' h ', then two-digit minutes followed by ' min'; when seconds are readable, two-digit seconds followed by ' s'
3 h 25 min 50 s
